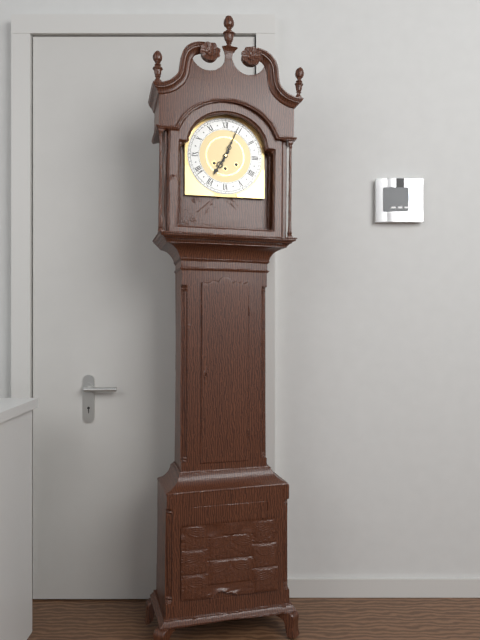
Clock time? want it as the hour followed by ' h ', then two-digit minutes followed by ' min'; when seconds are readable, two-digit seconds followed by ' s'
7 h 04 min
